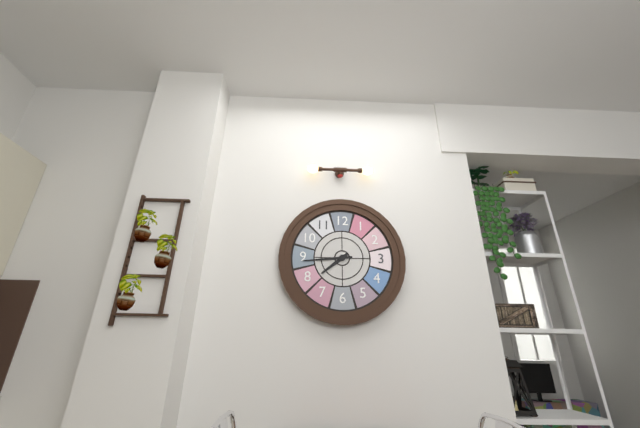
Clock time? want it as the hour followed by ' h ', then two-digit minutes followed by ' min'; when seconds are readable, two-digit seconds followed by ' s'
7 h 44 min
